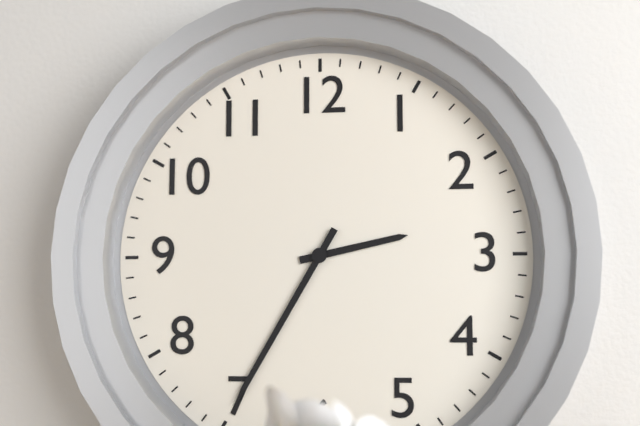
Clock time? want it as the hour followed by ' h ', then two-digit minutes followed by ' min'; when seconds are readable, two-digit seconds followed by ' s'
2 h 35 min
